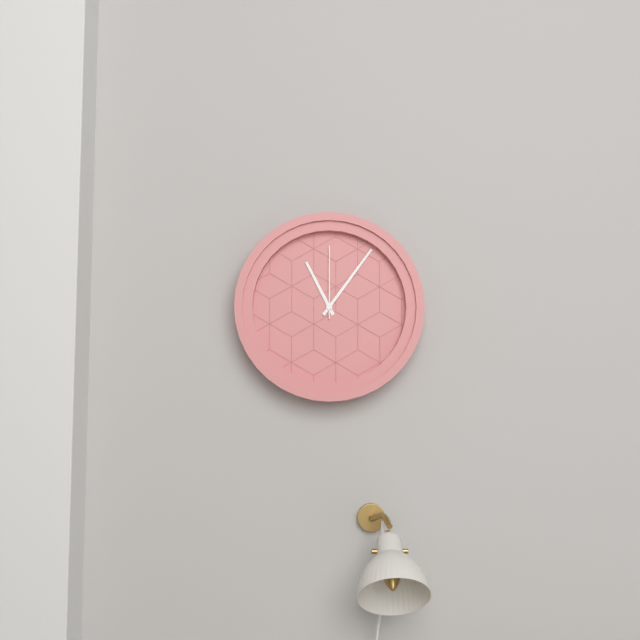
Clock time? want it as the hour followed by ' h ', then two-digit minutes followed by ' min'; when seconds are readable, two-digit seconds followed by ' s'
11 h 06 min 00 s
